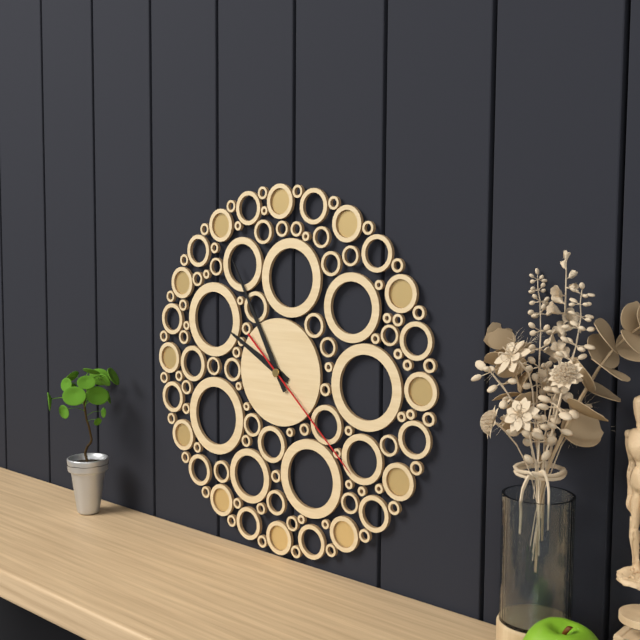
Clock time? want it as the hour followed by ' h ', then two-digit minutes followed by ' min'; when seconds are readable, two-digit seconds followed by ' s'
9 h 55 min 22 s
